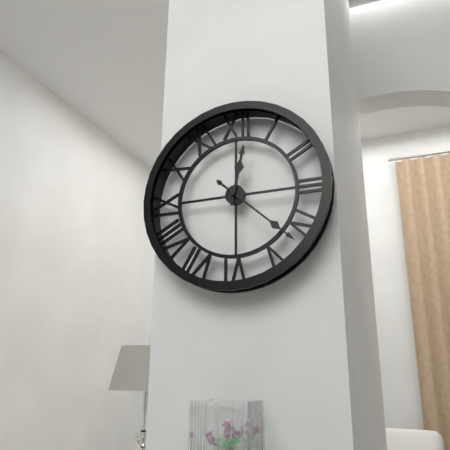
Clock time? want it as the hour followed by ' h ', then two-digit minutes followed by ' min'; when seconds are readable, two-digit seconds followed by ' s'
12 h 22 min
